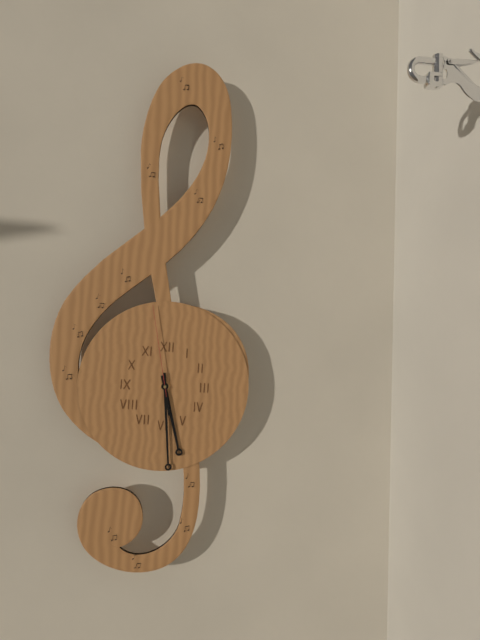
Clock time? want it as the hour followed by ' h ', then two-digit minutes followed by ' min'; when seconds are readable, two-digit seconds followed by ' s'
5 h 29 min 58 s
